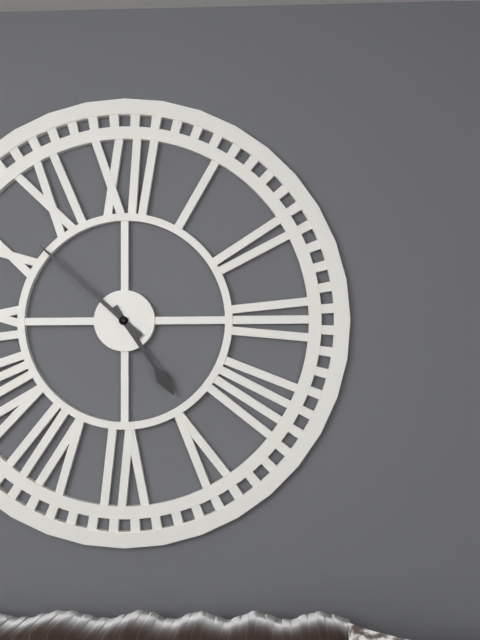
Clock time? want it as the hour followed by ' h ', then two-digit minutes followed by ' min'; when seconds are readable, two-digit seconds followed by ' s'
4 h 52 min
